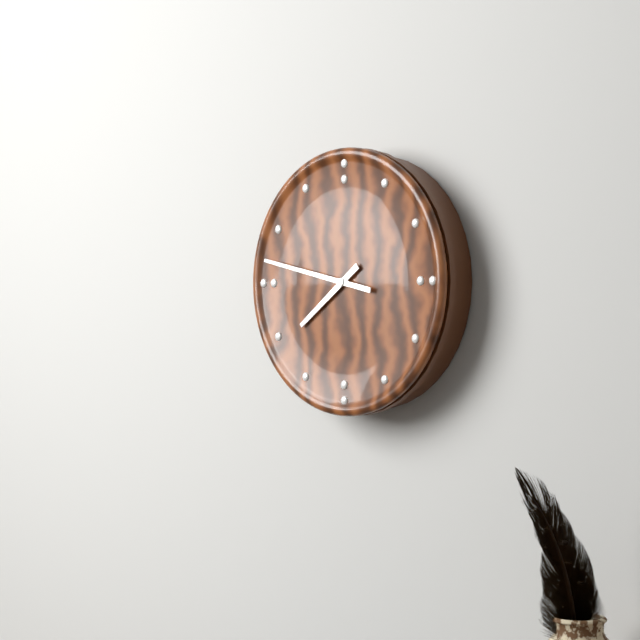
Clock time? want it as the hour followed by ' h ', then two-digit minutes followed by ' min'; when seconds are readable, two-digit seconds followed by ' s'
7 h 47 min
